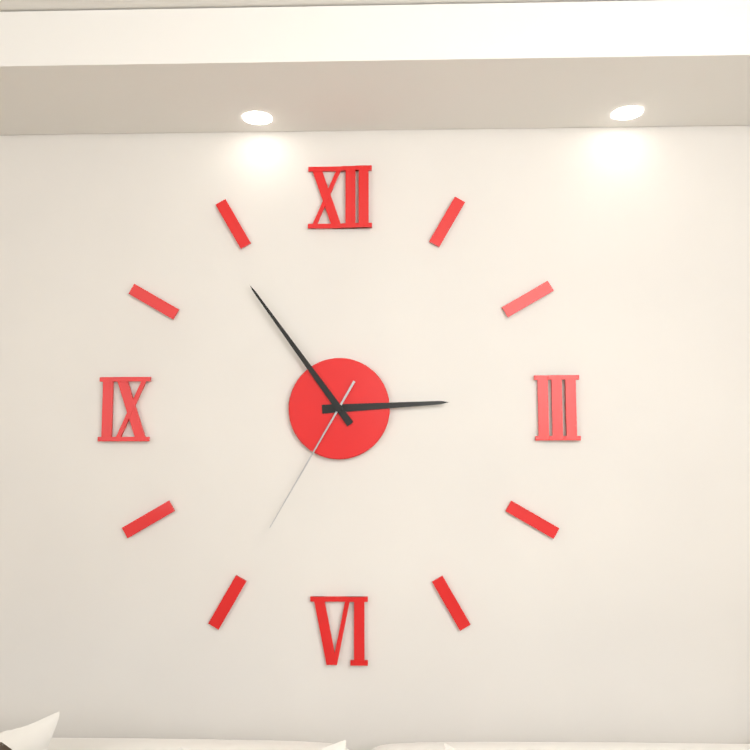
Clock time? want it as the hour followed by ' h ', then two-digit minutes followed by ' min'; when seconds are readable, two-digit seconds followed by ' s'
2 h 54 min 35 s
